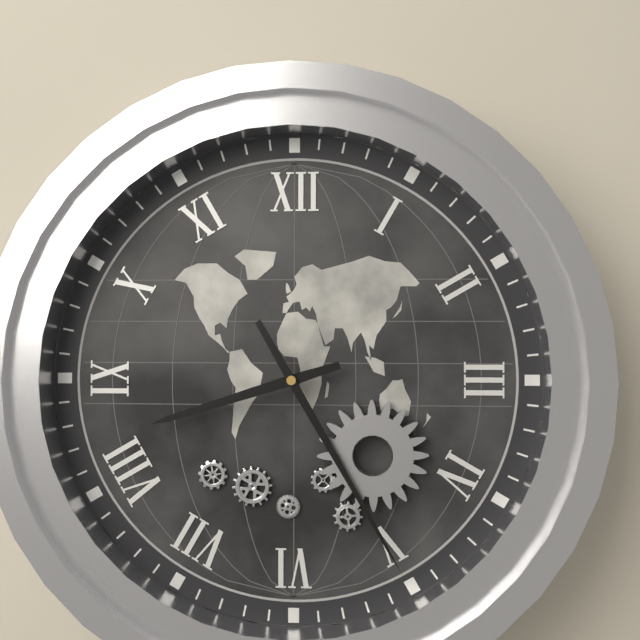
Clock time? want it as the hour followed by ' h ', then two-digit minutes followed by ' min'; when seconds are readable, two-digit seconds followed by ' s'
8 h 25 min
